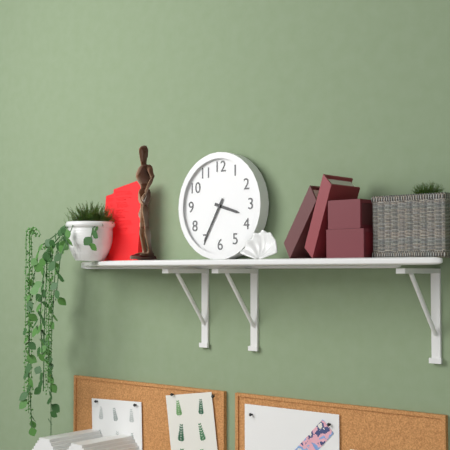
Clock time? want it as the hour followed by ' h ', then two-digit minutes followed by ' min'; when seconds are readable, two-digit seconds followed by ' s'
3 h 35 min
